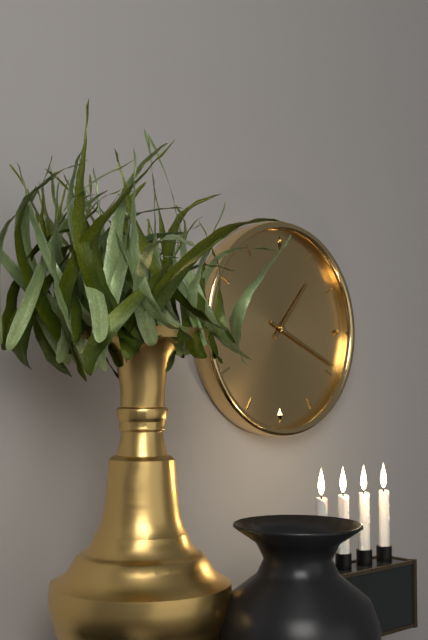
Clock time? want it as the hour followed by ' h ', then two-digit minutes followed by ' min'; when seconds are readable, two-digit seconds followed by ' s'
1 h 19 min
